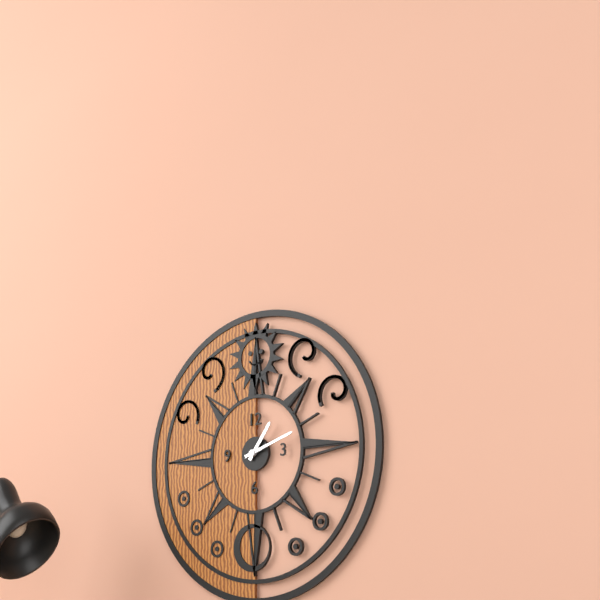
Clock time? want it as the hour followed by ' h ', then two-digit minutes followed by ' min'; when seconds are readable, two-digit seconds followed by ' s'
1 h 12 min
